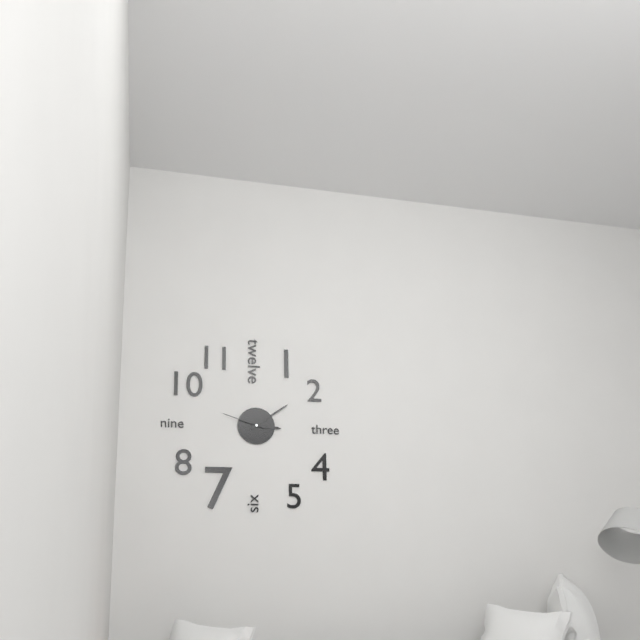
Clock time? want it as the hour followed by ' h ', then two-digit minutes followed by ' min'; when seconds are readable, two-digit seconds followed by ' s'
3 h 09 min
